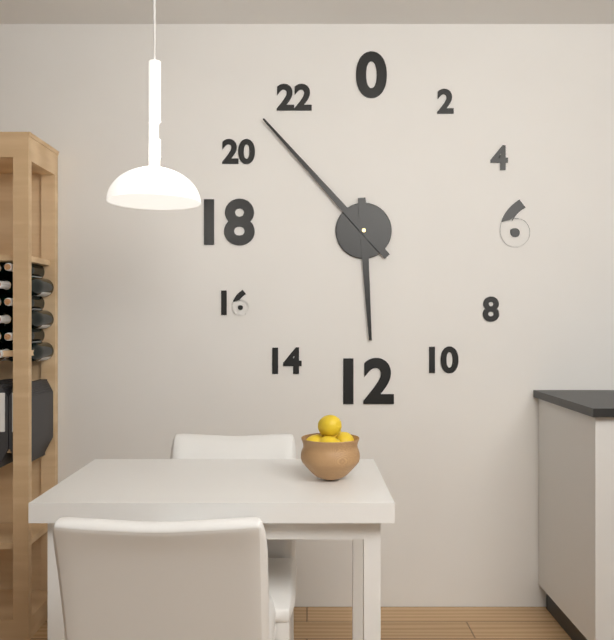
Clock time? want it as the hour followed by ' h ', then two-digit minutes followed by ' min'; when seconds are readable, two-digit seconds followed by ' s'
5 h 53 min
